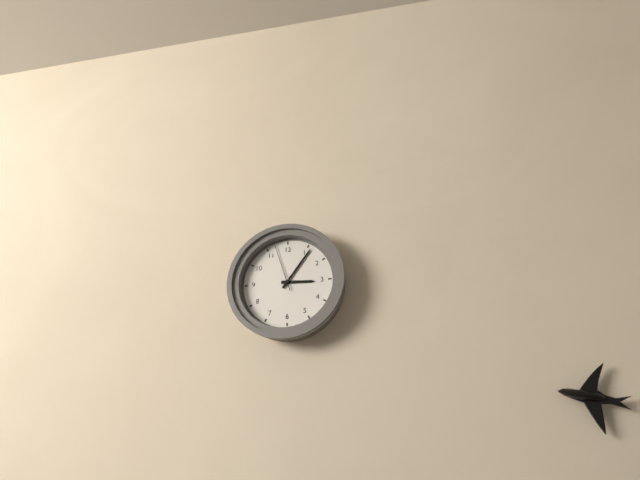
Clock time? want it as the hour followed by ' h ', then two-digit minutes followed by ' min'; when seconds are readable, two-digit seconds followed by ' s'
3 h 06 min 57 s
